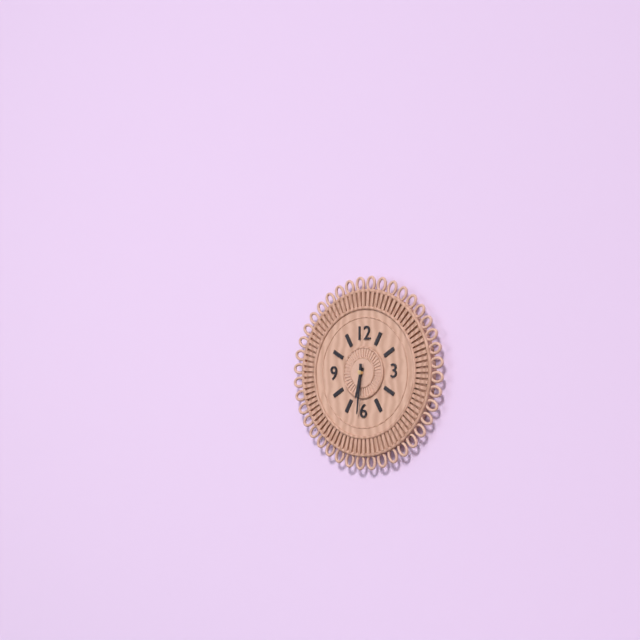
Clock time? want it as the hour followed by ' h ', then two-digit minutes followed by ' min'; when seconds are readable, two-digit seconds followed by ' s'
6 h 31 min
